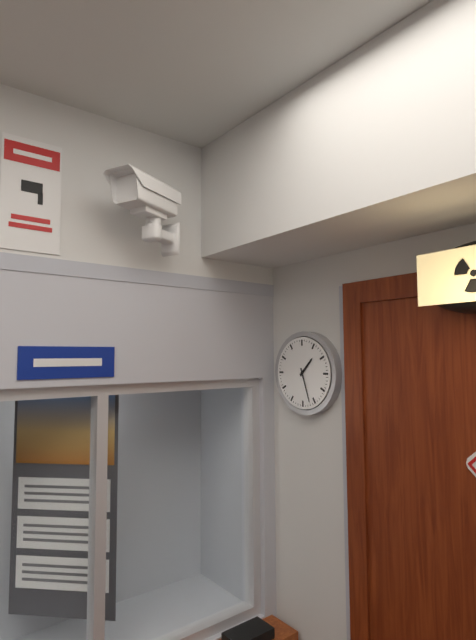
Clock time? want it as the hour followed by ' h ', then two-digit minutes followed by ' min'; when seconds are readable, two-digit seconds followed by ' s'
1 h 27 min
